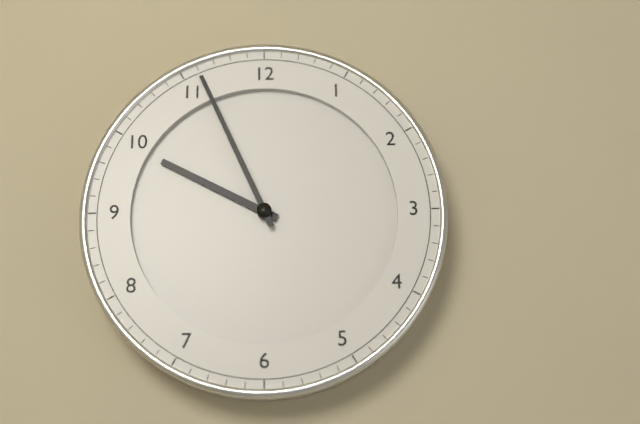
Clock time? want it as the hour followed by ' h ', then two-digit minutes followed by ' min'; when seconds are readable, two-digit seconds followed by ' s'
9 h 56 min
